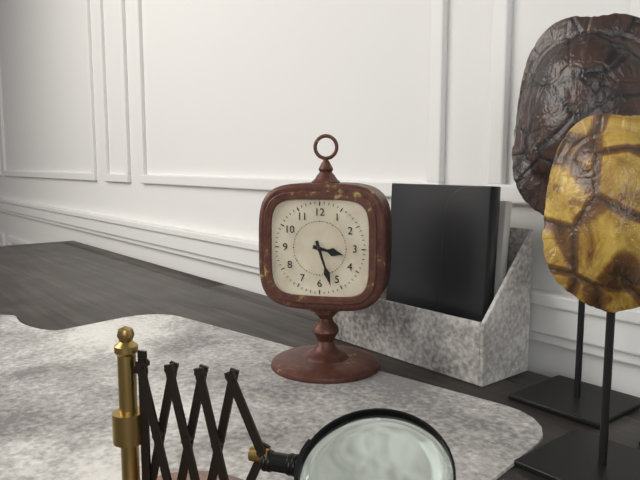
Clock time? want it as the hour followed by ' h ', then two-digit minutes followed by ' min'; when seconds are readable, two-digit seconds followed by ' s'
3 h 27 min
